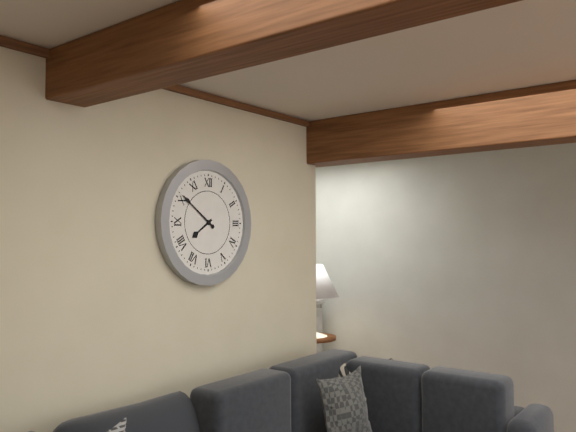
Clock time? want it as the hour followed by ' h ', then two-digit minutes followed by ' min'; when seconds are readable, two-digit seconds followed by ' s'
7 h 51 min
